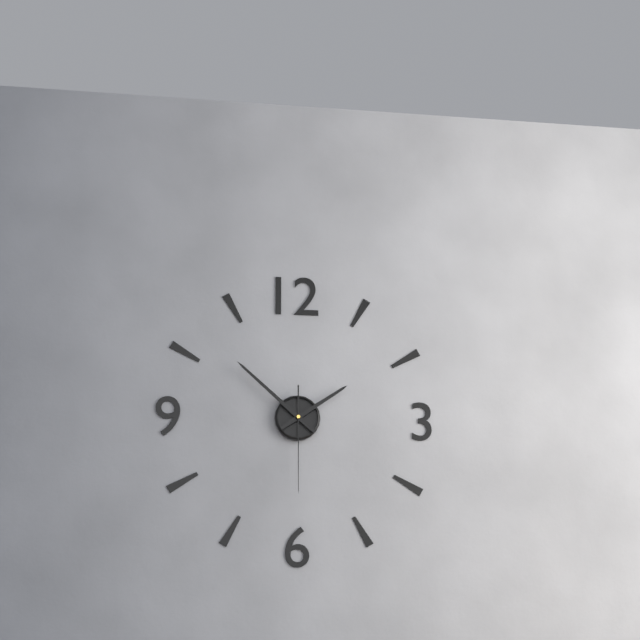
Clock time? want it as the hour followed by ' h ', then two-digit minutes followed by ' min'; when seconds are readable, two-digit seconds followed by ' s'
1 h 52 min 30 s
